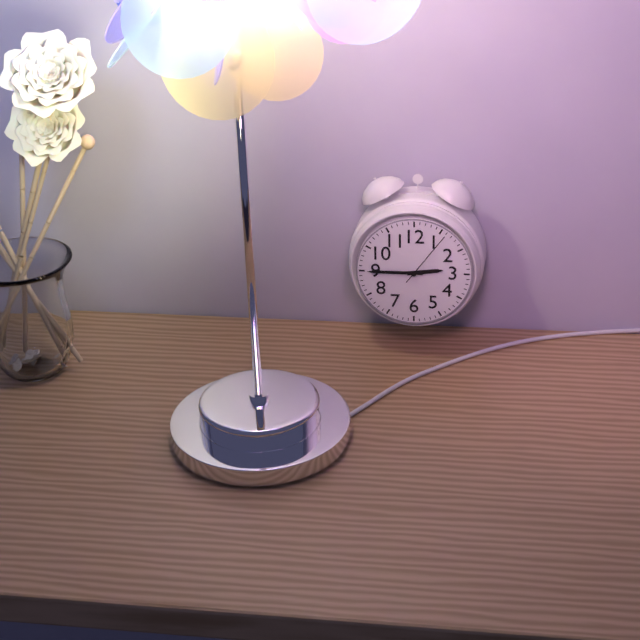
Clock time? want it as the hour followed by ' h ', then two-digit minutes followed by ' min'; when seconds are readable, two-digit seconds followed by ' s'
2 h 45 min 06 s
